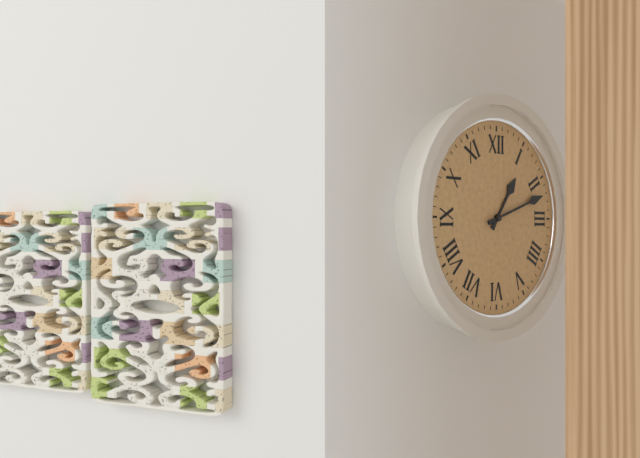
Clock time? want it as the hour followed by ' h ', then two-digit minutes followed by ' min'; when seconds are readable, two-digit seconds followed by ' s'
1 h 12 min
